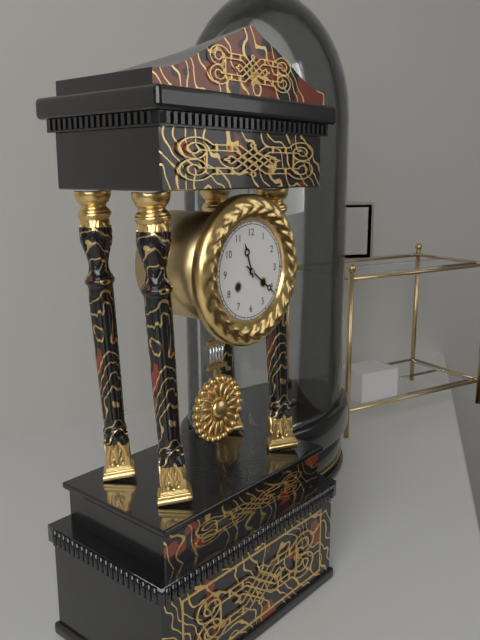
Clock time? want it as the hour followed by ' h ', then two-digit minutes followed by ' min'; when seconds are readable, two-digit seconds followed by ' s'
11 h 21 min
